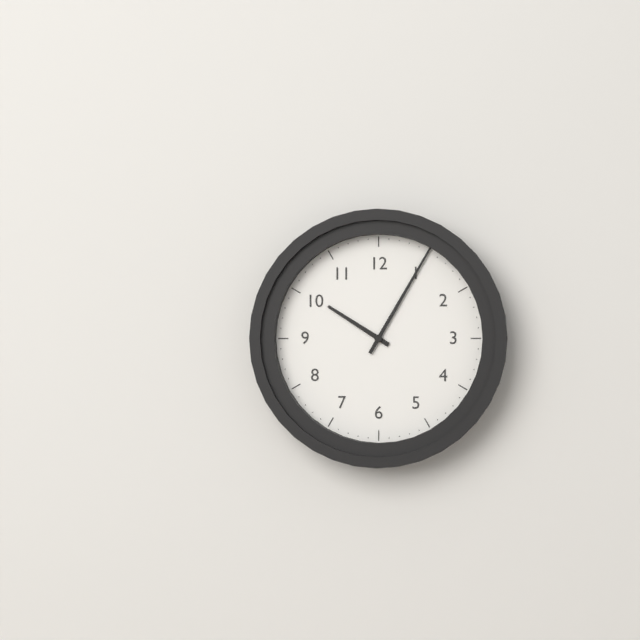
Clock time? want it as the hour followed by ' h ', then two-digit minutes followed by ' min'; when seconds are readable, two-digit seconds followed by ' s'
10 h 05 min
